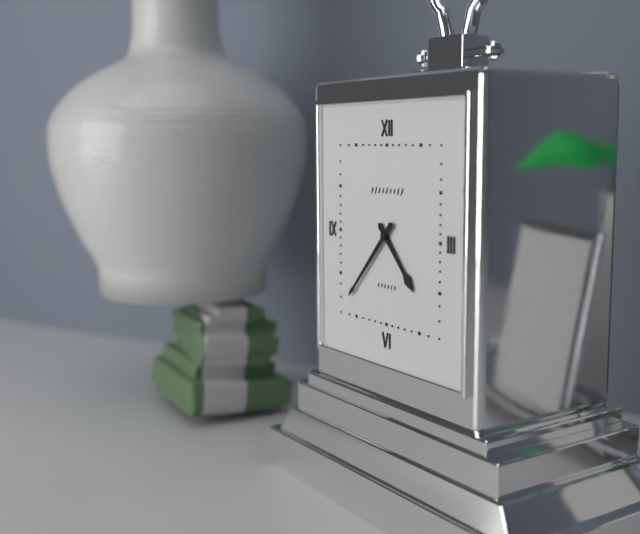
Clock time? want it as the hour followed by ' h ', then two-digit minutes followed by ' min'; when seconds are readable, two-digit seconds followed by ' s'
4 h 37 min
